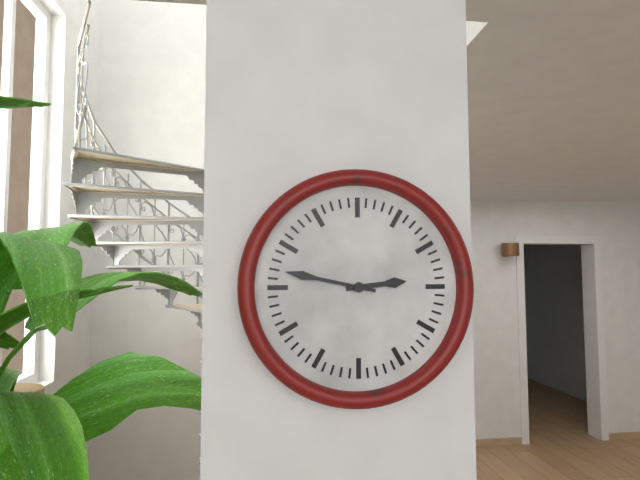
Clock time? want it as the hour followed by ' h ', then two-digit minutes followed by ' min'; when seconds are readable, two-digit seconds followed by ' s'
2 h 47 min
